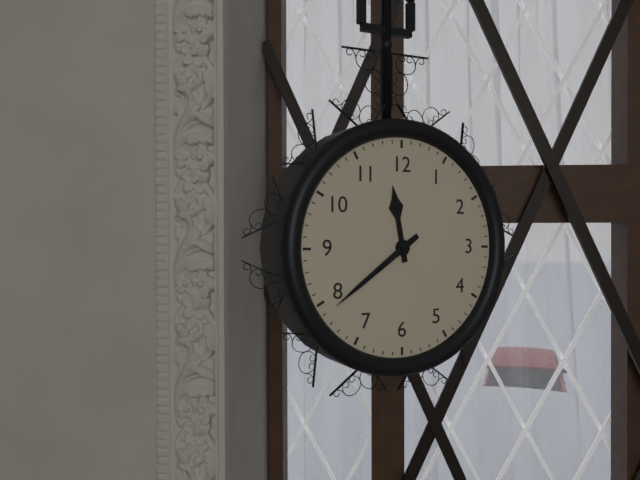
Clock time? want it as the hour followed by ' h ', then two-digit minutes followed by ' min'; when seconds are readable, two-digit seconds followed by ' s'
11 h 39 min
